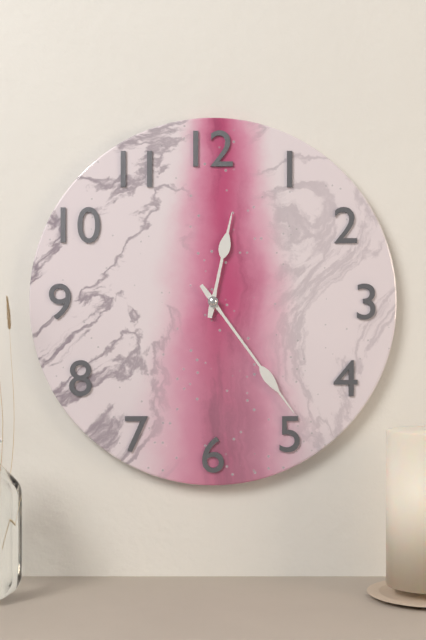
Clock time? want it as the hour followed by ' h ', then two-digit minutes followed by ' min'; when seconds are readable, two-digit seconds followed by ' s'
12 h 24 min
